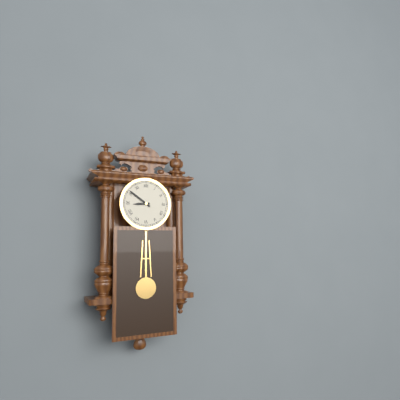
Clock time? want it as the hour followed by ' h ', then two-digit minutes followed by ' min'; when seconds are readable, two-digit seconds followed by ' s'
8 h 51 min
